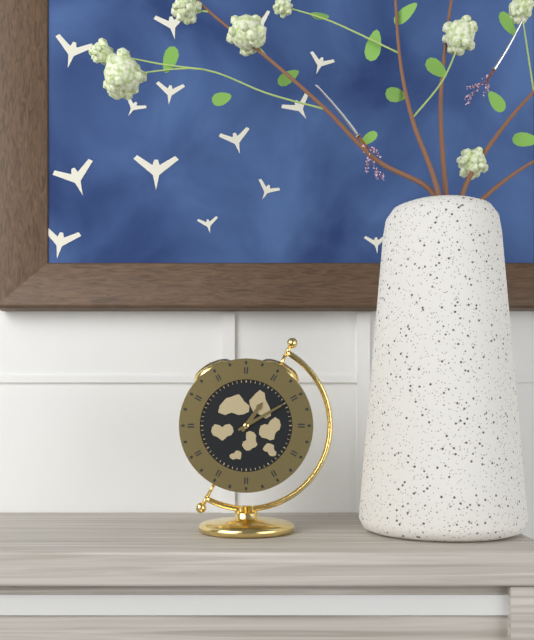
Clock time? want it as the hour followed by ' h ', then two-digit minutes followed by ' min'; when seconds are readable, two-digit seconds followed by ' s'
1 h 10 min
